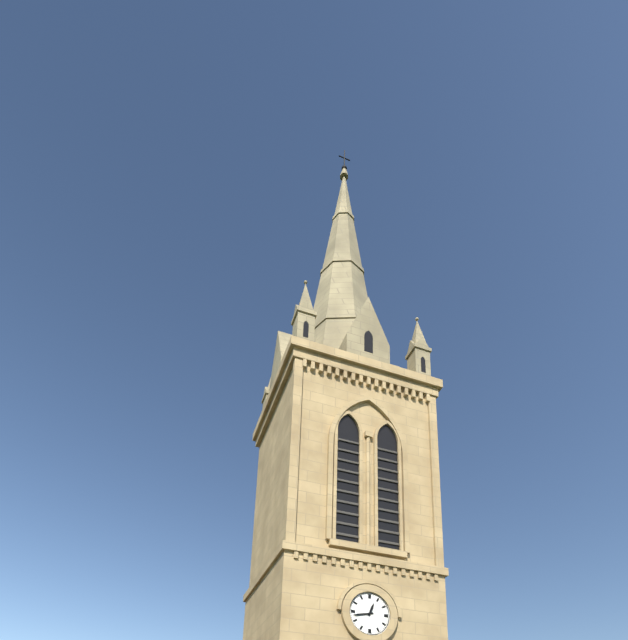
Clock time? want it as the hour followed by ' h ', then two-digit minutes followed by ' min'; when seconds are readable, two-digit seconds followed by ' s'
12 h 43 min
